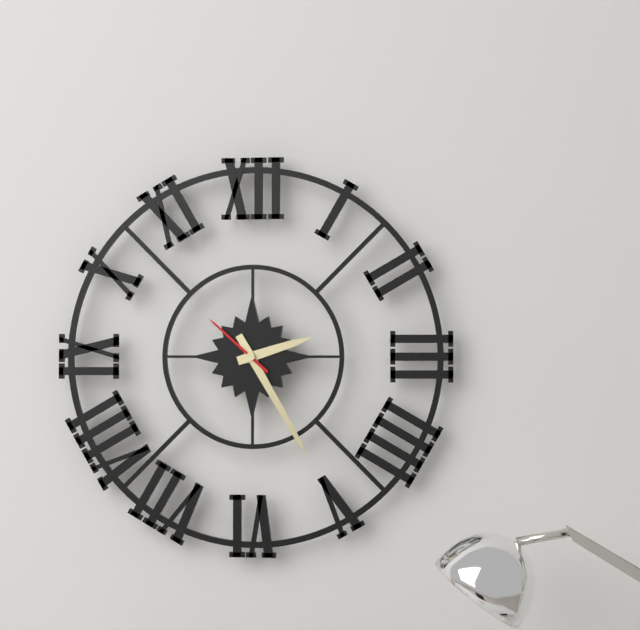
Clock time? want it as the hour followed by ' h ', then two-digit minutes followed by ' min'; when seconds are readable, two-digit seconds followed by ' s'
2 h 25 min 52 s
